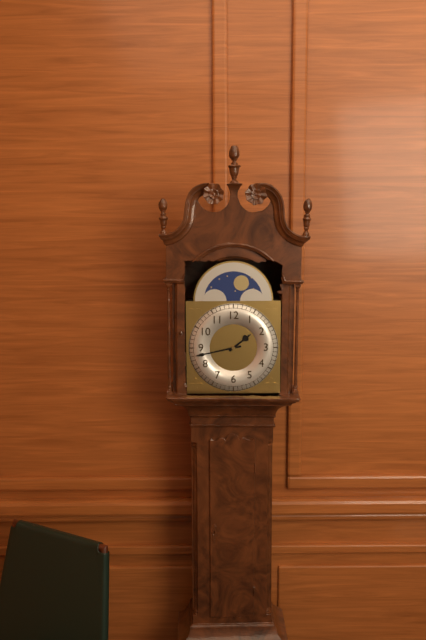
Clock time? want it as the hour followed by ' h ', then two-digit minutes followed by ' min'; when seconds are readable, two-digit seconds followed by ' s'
1 h 43 min
